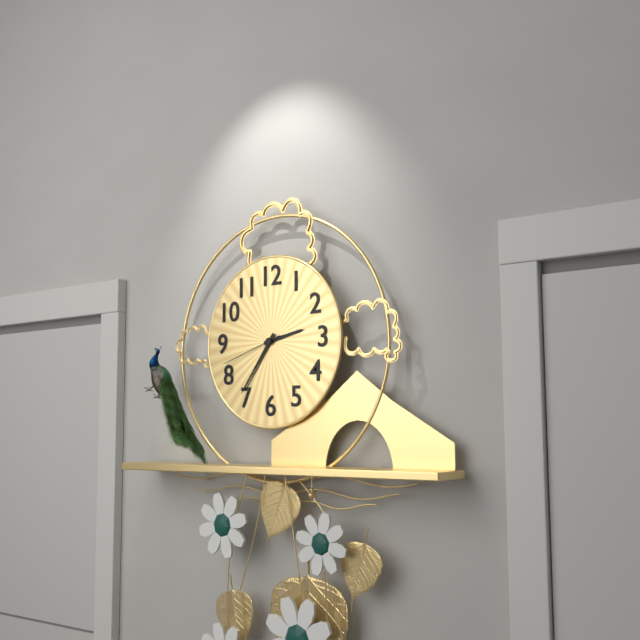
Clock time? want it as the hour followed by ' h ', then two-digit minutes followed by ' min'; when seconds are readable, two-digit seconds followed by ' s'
2 h 36 min 42 s
